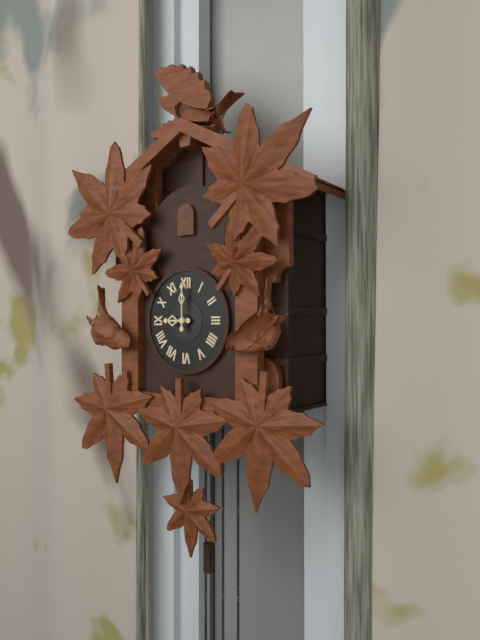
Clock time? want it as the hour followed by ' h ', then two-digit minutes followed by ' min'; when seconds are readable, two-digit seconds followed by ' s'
9 h 00 min
